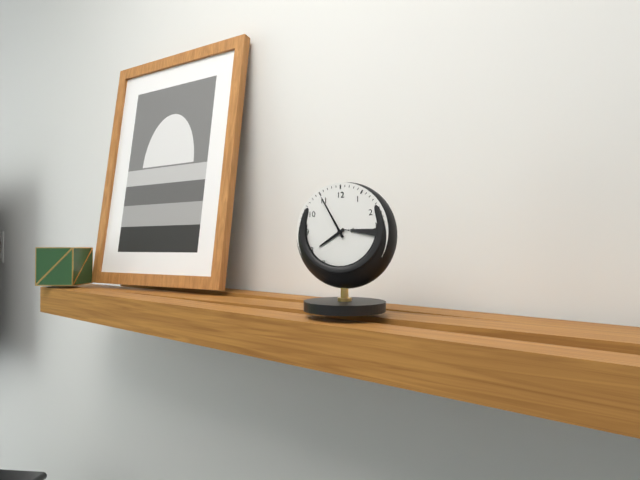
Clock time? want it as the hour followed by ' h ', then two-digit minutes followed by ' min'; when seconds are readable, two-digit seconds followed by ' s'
7 h 55 min
